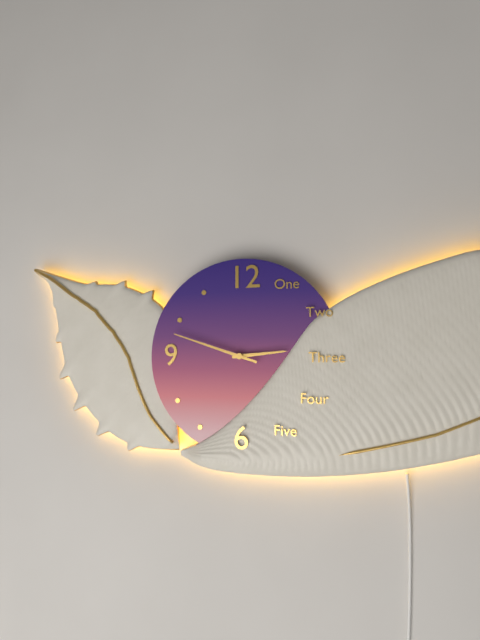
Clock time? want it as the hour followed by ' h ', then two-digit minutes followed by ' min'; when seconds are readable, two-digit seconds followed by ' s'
2 h 48 min
